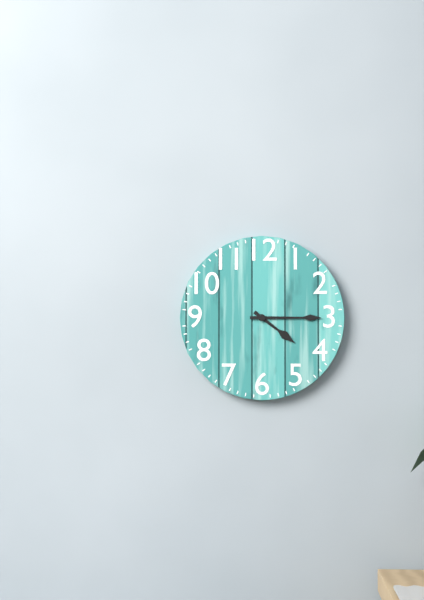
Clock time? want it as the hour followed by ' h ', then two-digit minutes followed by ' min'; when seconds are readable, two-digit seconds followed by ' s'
4 h 15 min
